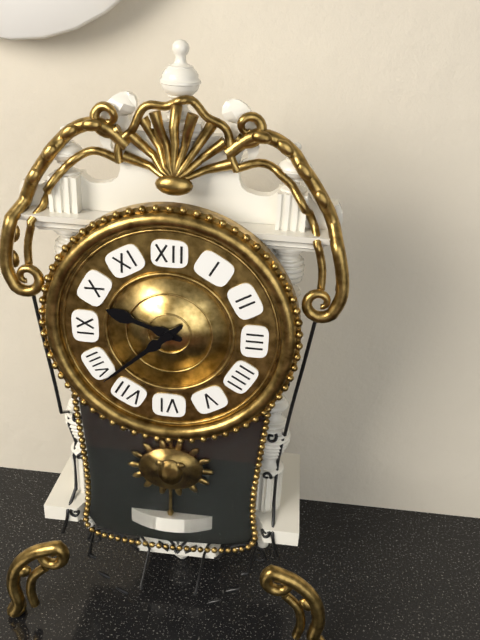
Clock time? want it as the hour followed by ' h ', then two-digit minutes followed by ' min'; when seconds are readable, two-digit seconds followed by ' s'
9 h 38 min
